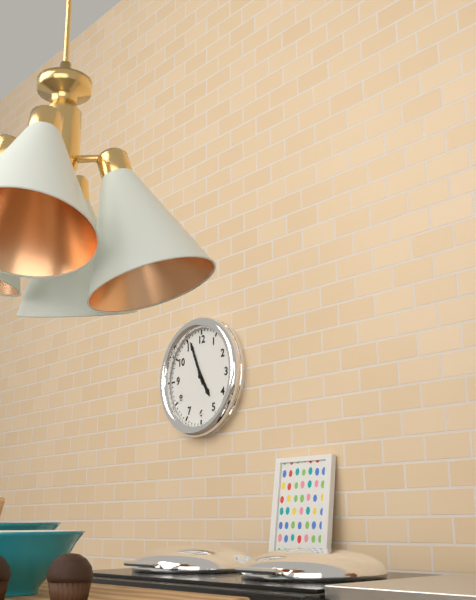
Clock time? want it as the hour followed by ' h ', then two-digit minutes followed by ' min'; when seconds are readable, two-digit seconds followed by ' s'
4 h 56 min
